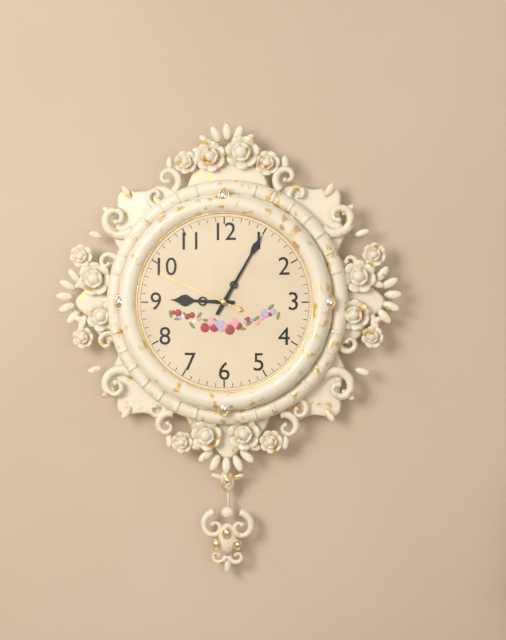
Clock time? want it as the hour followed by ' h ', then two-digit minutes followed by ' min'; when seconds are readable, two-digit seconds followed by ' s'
9 h 05 min 49 s
